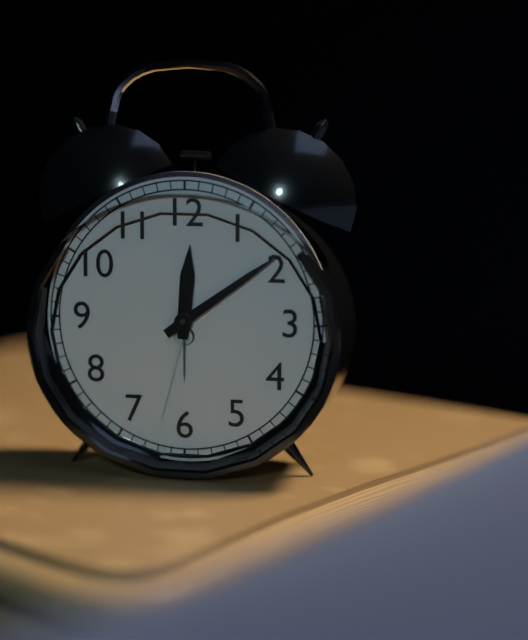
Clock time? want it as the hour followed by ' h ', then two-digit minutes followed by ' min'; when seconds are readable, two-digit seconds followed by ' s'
12 h 09 min
